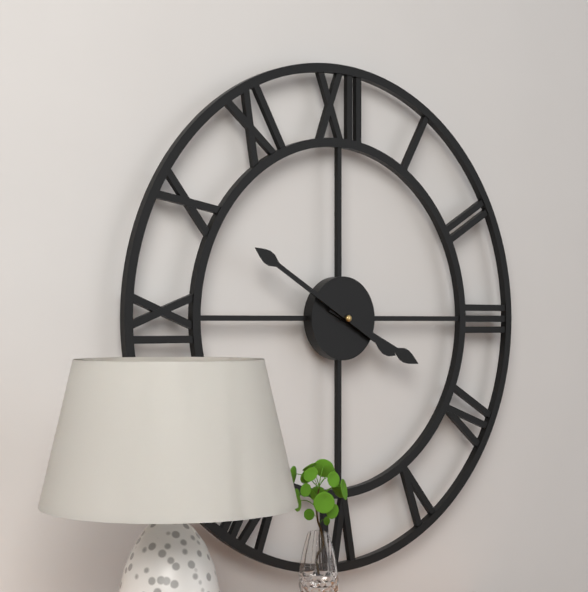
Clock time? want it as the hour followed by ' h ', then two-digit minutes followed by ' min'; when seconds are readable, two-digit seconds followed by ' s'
3 h 50 min
